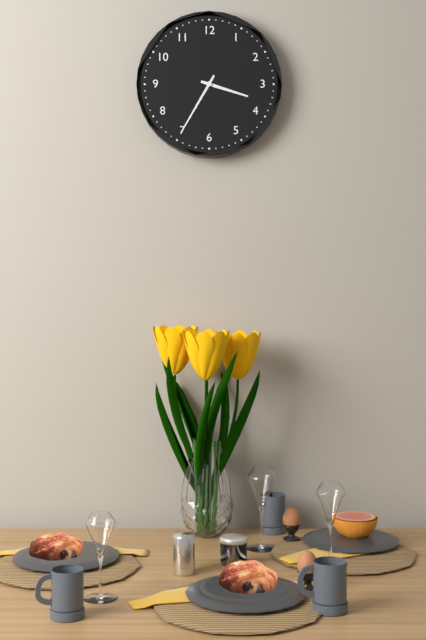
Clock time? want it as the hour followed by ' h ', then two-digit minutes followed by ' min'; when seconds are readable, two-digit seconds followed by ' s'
3 h 35 min
